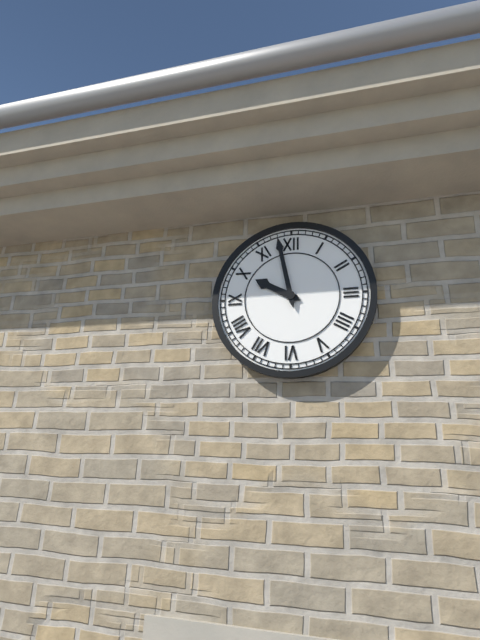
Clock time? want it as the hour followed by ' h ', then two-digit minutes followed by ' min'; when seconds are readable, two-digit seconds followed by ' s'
9 h 58 min
